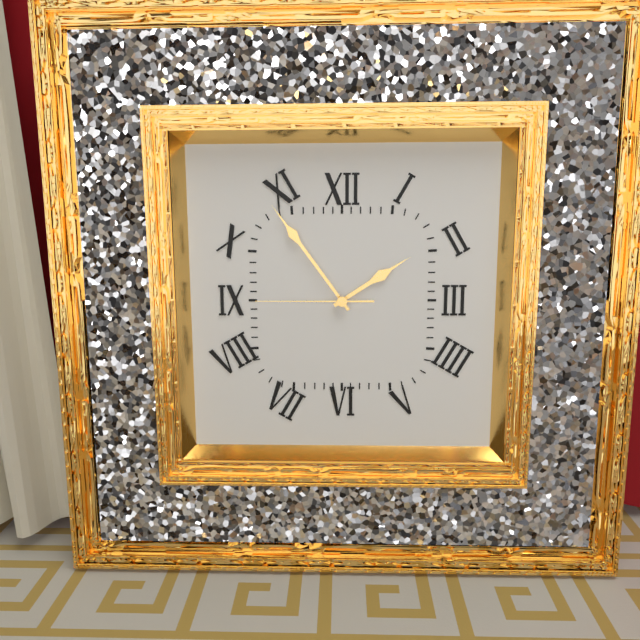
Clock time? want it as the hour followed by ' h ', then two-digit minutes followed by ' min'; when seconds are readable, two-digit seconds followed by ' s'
1 h 54 min 45 s
